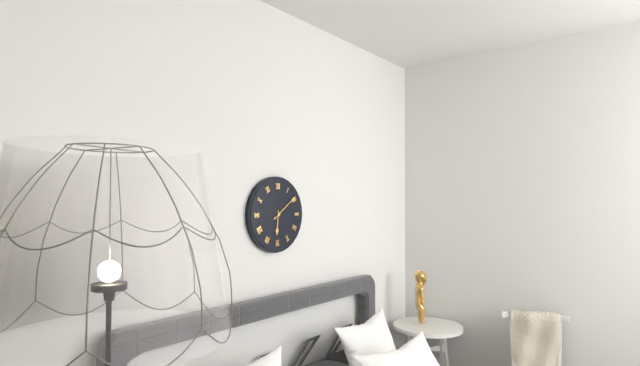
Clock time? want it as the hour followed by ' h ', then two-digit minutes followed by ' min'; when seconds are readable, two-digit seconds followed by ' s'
6 h 09 min
